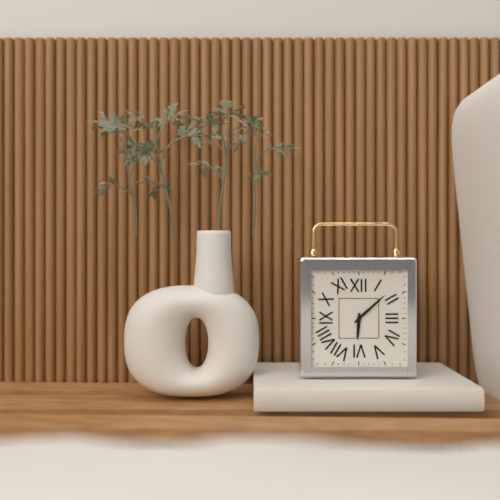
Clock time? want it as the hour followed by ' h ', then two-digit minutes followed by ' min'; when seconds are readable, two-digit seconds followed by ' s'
6 h 08 min
